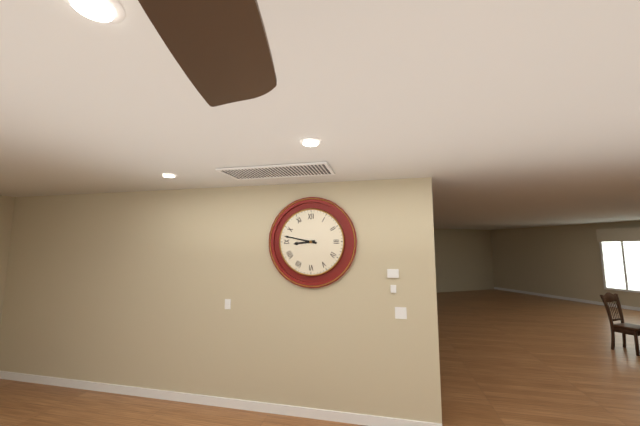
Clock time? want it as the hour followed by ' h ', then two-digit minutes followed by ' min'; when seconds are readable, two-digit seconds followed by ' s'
8 h 47 min
